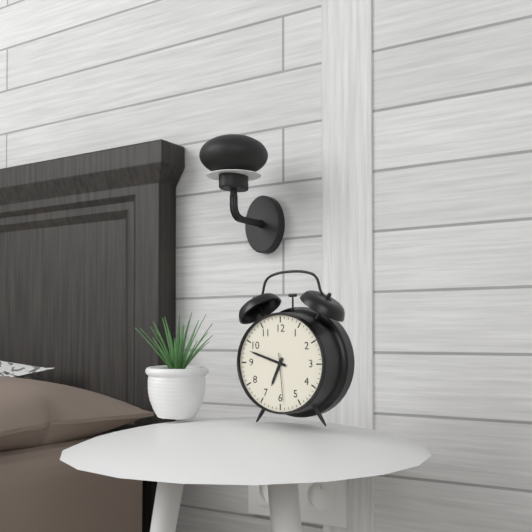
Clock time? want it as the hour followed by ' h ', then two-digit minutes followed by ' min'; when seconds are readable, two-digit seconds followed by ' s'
6 h 48 min 29 s
